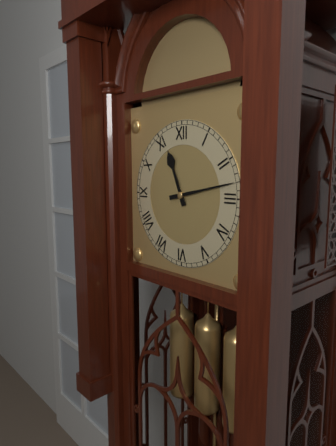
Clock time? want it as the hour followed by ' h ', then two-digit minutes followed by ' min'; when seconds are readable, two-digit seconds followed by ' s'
11 h 13 min
